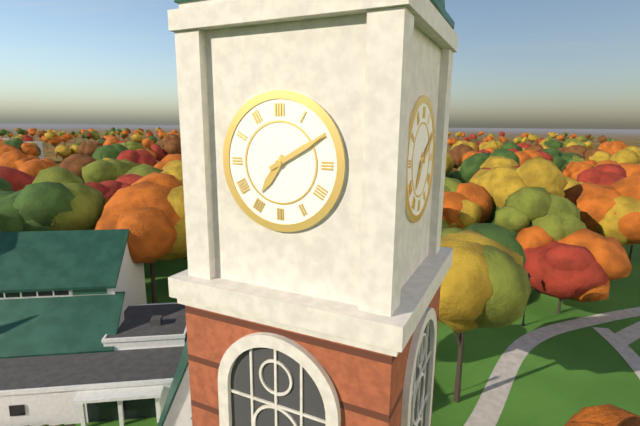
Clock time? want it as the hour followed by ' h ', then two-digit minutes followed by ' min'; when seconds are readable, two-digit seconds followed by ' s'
7 h 10 min
